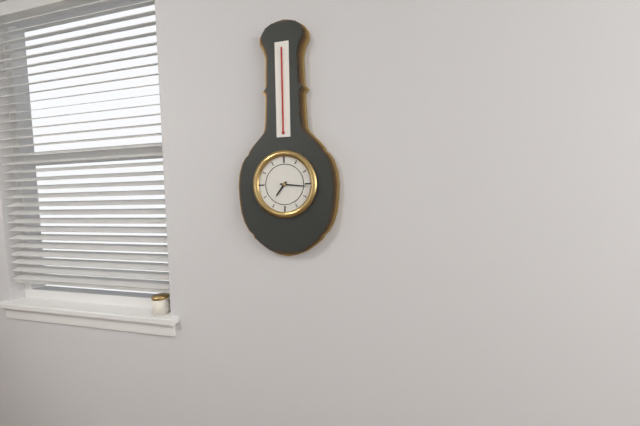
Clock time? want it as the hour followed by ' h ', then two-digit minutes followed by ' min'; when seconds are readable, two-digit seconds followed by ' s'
7 h 16 min
